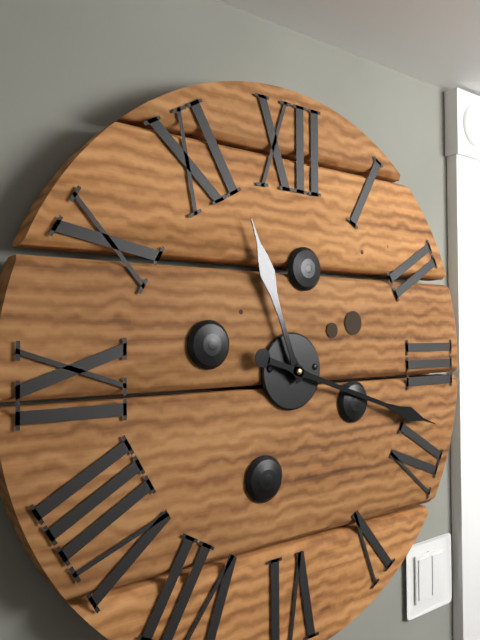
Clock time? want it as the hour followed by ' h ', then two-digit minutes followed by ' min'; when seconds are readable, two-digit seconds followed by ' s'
11 h 18 min
